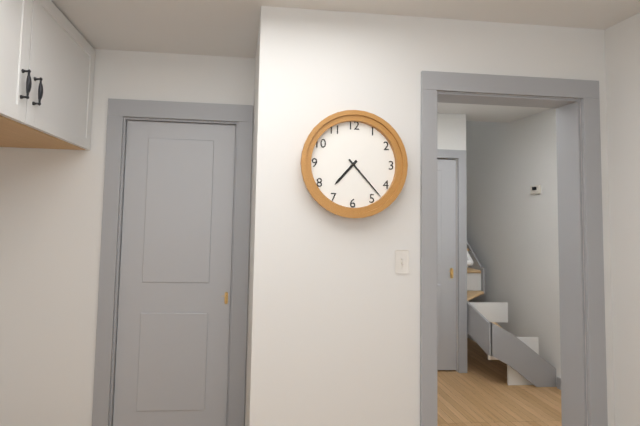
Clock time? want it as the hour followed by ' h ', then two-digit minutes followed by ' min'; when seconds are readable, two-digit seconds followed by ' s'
7 h 23 min
